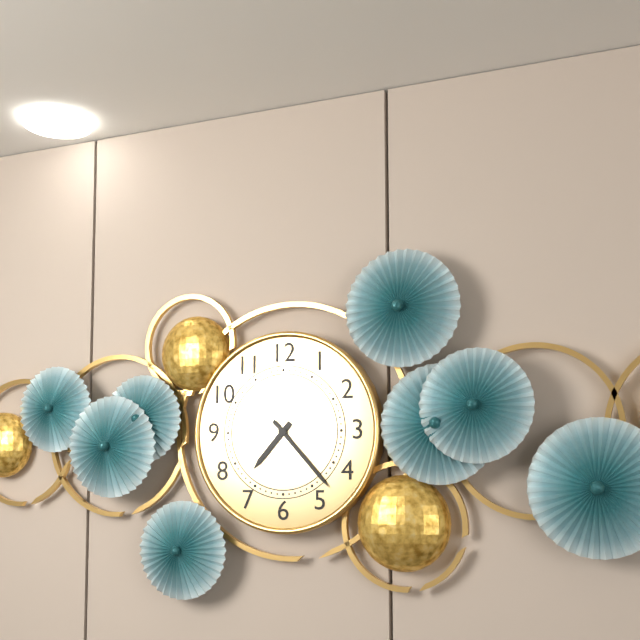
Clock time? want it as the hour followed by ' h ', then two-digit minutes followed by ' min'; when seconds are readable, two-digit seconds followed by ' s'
7 h 23 min
